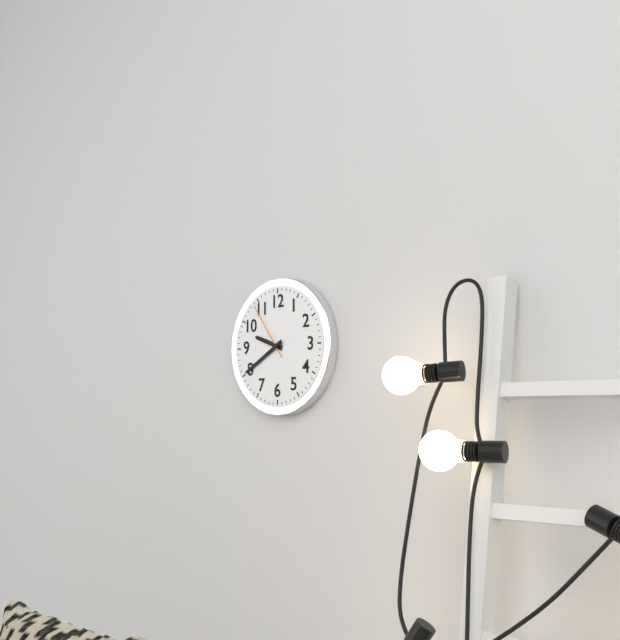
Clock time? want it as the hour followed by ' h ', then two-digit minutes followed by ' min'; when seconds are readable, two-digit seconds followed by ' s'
9 h 40 min 54 s
